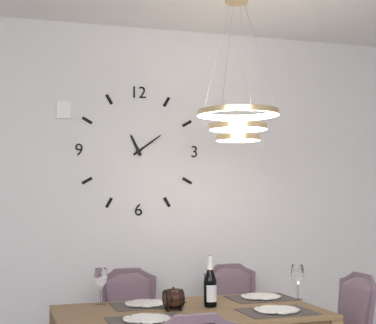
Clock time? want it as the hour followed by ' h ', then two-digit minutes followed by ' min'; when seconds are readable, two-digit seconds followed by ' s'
11 h 09 min
